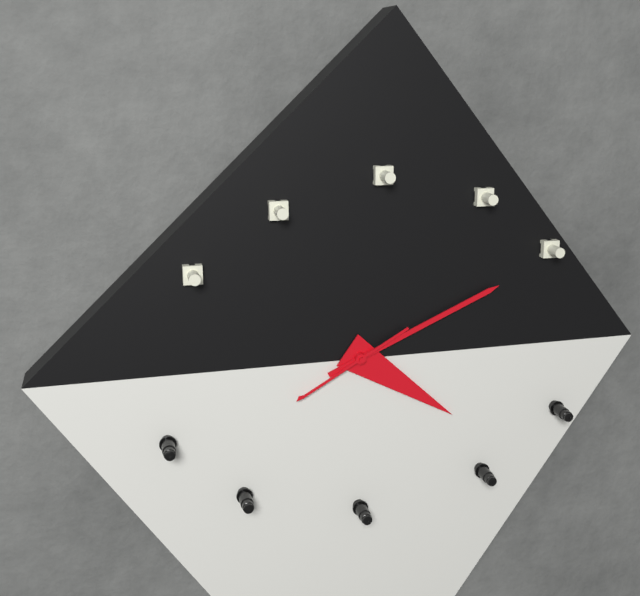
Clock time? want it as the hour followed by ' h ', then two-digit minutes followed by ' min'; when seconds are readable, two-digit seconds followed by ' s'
4 h 11 min 40 s
